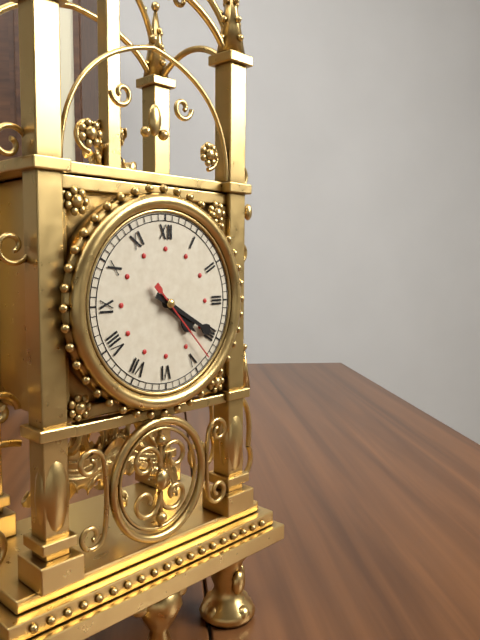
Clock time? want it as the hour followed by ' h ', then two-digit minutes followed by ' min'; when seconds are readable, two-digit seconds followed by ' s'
4 h 20 min 23 s
